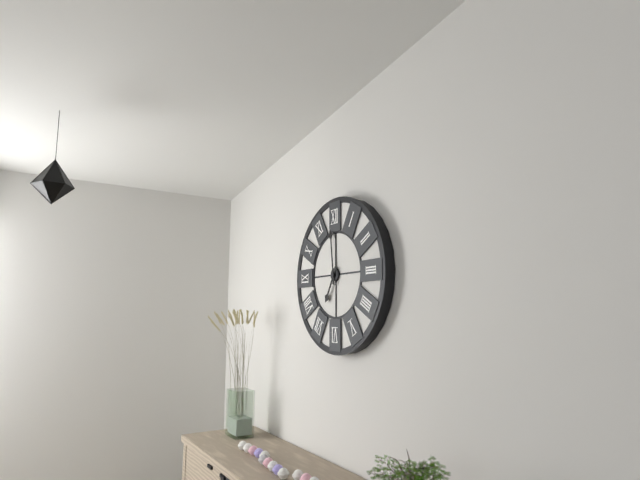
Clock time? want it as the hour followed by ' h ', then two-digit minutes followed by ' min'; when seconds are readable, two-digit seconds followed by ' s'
6 h 59 min
